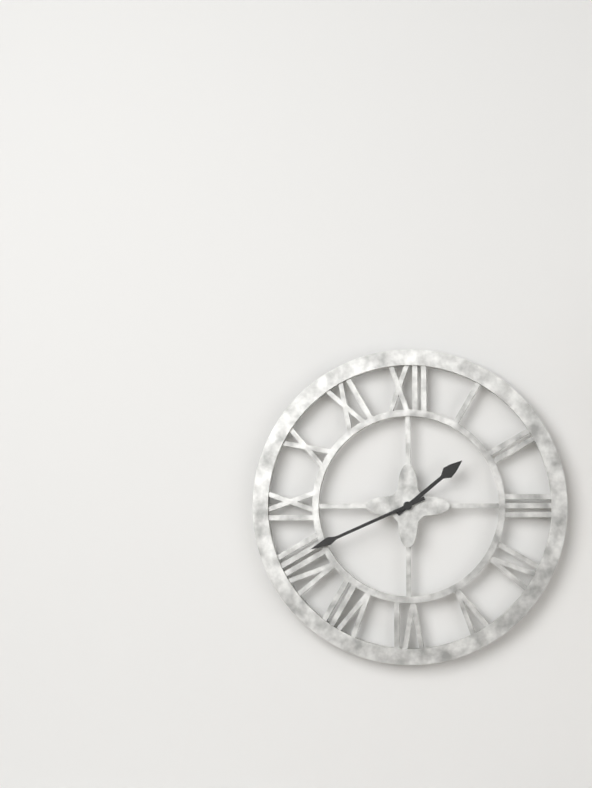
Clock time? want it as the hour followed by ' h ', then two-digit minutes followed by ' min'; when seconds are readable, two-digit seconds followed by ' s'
1 h 41 min
